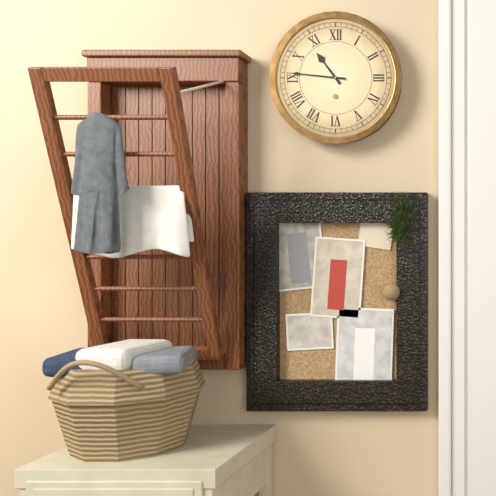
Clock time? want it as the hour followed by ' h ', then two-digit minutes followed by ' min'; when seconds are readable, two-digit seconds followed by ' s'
10 h 46 min
